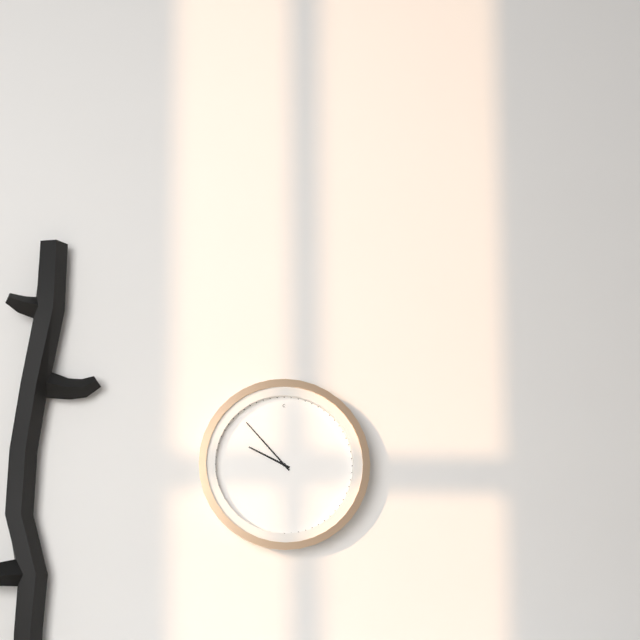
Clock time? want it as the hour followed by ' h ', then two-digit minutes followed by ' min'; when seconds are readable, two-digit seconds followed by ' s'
9 h 53 min
